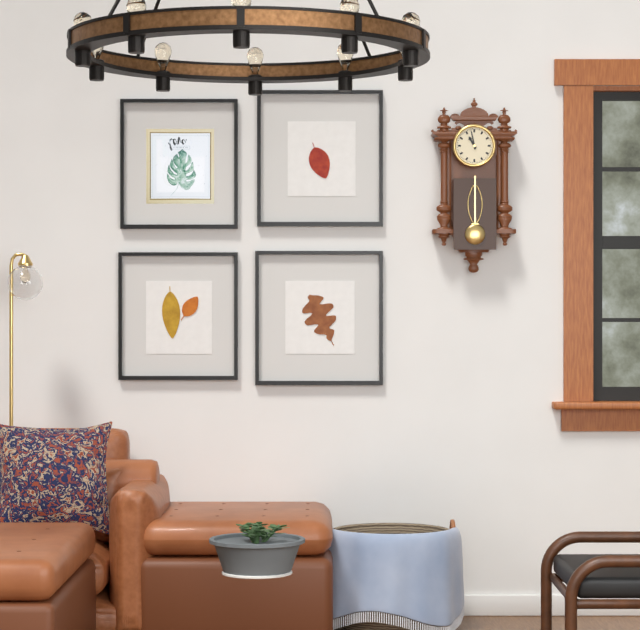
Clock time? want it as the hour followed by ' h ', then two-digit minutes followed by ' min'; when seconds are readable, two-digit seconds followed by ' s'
10 h 58 min
